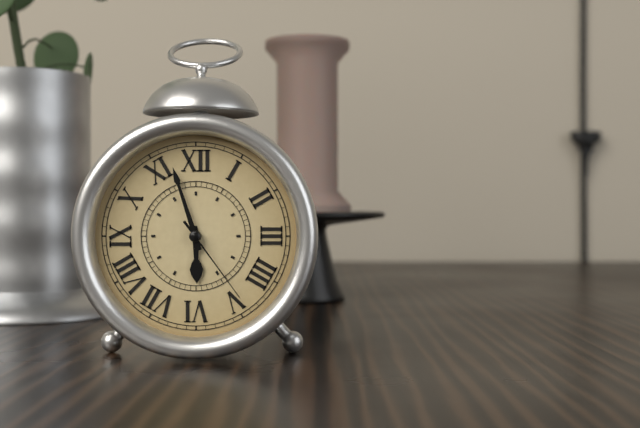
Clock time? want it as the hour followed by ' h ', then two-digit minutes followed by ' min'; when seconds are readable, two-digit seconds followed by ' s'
5 h 57 min 24 s
